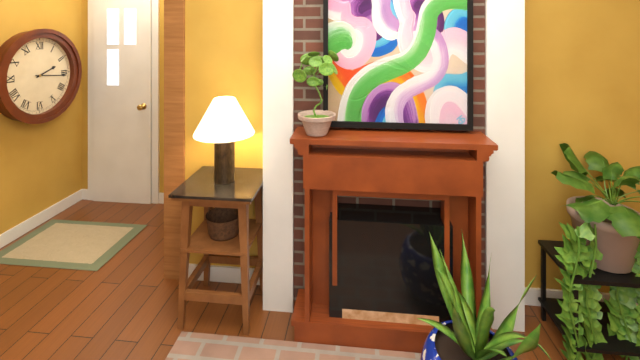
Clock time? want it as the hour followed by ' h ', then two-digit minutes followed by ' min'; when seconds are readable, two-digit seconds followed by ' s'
2 h 16 min
